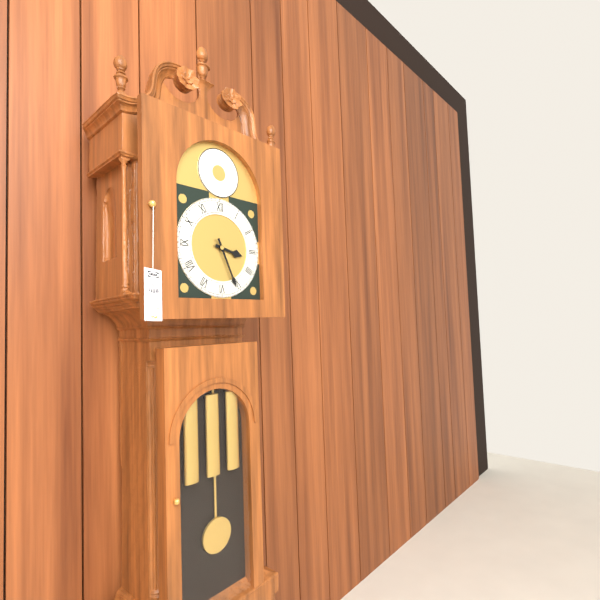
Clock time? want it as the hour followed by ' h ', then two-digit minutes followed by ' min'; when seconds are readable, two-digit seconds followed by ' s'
3 h 26 min
